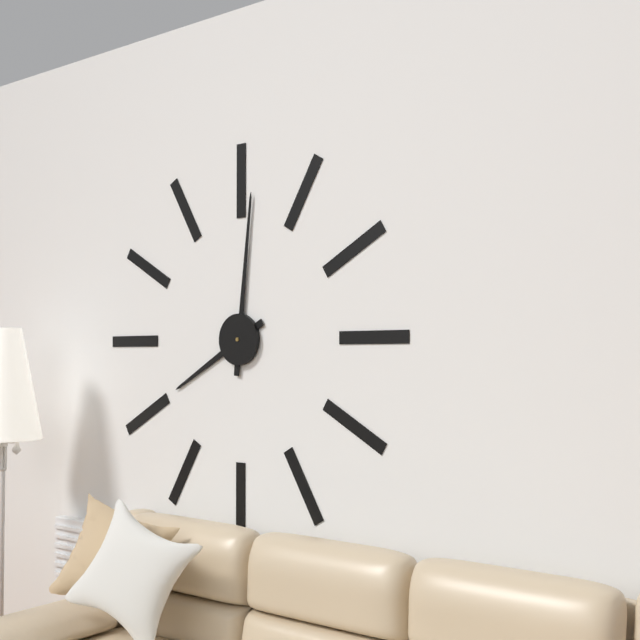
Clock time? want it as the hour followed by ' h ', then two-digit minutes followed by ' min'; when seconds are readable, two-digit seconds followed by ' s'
8 h 01 min
